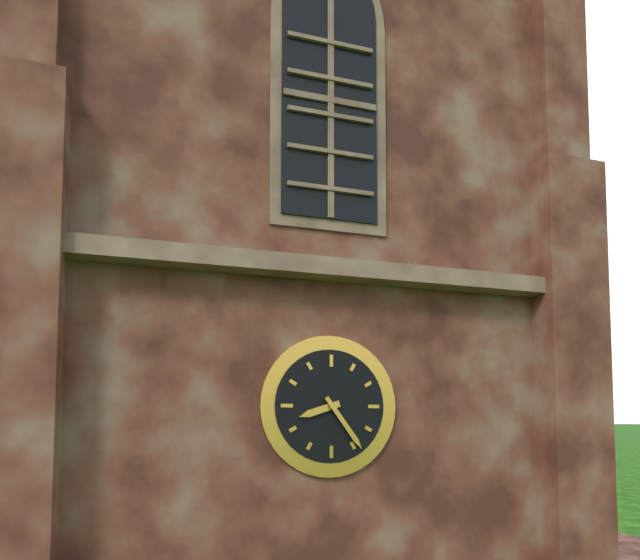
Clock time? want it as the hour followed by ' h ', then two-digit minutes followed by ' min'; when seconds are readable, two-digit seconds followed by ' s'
8 h 24 min
